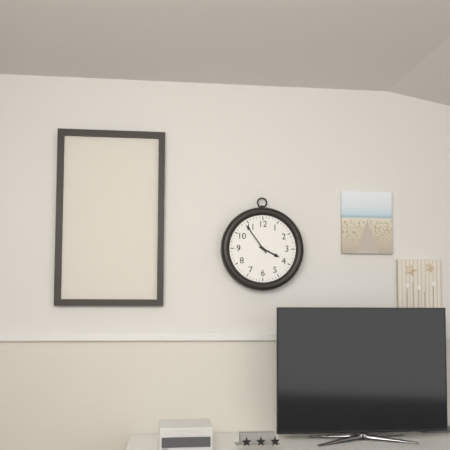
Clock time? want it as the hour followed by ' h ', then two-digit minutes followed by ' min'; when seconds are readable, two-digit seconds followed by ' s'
3 h 54 min
